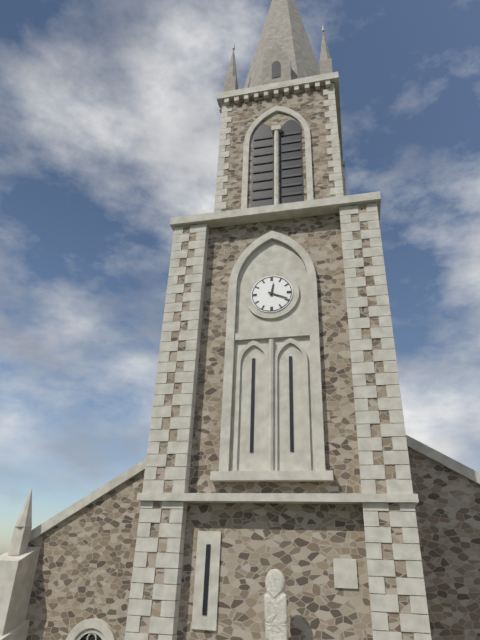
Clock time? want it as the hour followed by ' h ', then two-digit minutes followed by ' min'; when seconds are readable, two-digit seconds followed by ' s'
12 h 19 min
